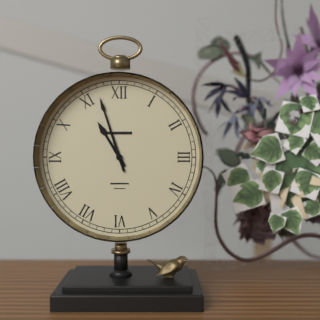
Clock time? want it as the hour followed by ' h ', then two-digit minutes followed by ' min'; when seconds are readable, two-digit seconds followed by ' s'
10 h 57 min
